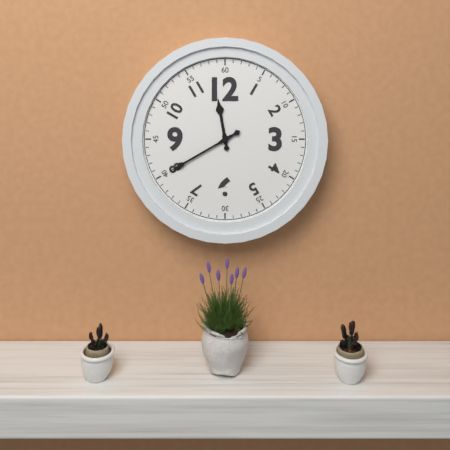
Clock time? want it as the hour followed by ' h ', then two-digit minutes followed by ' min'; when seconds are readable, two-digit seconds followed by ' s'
11 h 40 min
